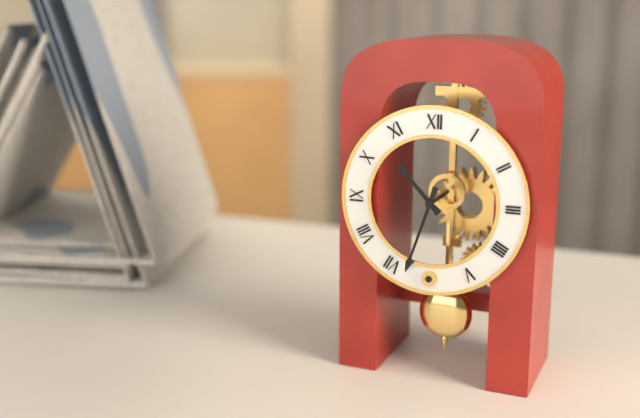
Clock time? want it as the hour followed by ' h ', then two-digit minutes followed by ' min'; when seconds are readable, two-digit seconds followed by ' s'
10 h 33 min
